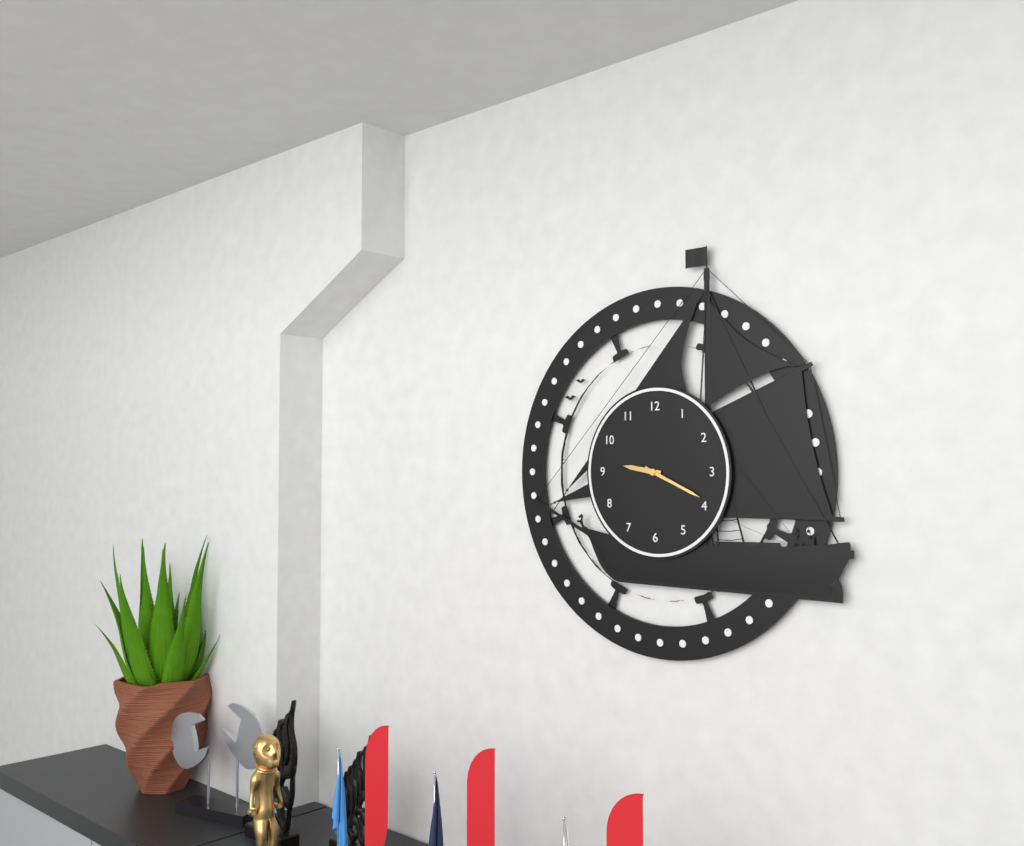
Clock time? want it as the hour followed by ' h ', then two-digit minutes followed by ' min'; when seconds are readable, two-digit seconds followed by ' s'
9 h 19 min
